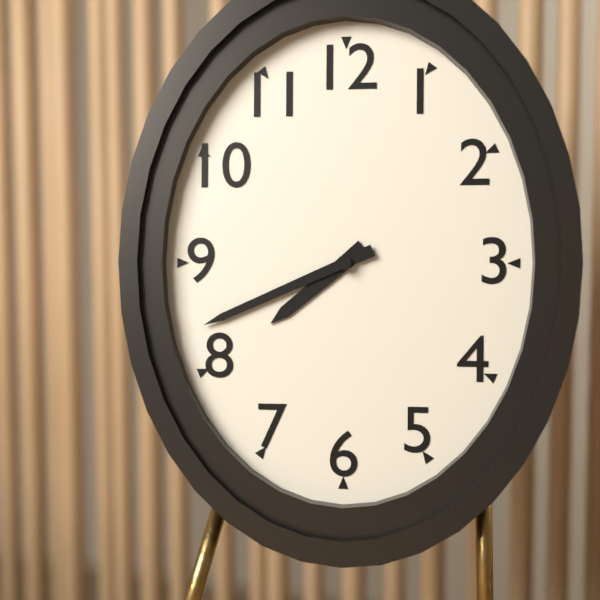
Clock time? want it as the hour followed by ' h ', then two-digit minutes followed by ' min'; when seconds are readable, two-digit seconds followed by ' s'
7 h 41 min
